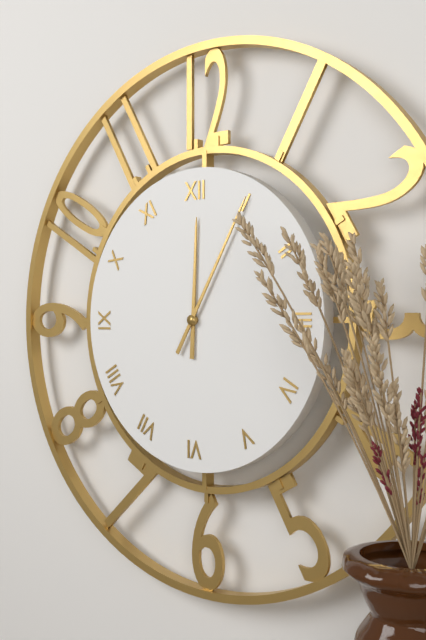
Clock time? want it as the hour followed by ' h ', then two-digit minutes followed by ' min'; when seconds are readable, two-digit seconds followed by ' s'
12 h 05 min
